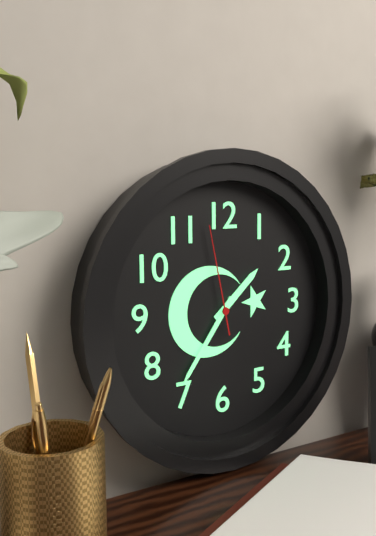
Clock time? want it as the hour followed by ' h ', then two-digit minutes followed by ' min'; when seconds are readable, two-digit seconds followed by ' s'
1 h 36 min 58 s
